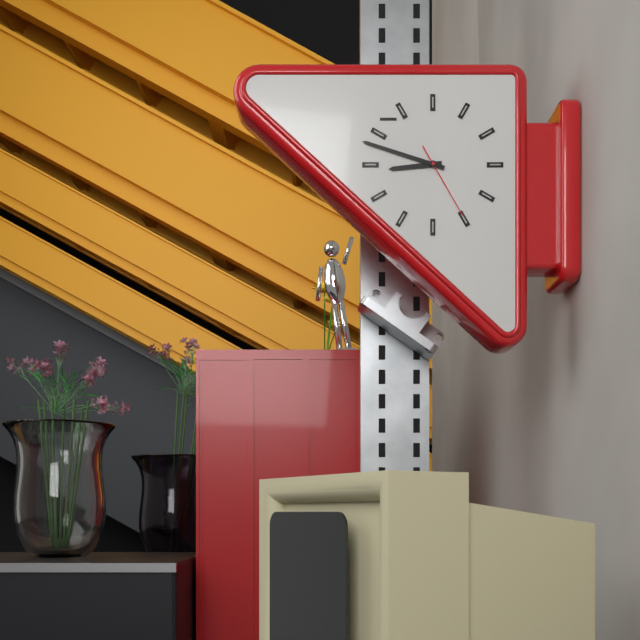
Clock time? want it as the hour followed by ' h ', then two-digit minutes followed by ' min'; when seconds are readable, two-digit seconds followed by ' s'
8 h 48 min 25 s
